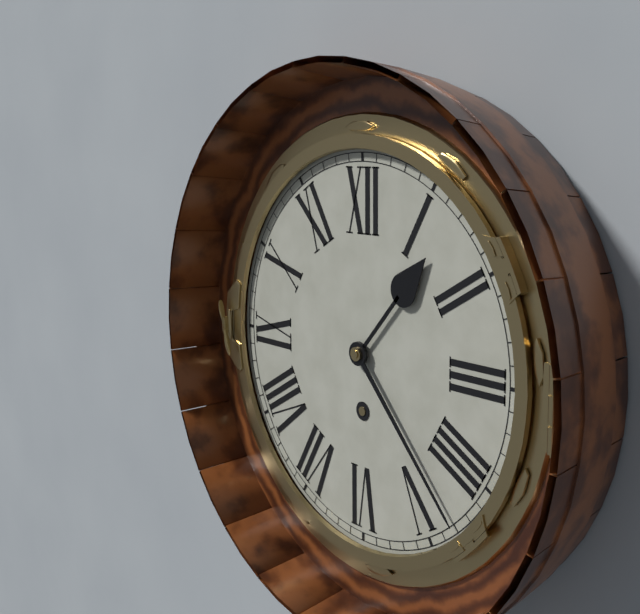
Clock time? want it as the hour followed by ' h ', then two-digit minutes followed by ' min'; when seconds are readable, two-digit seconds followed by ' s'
1 h 23 min
